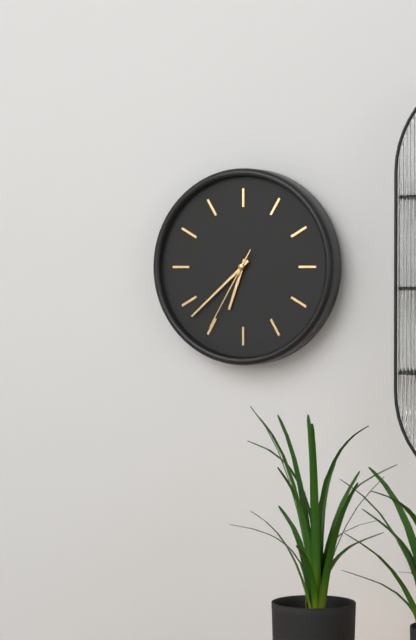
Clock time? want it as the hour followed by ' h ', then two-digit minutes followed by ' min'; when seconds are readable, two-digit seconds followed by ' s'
6 h 38 min 35 s
